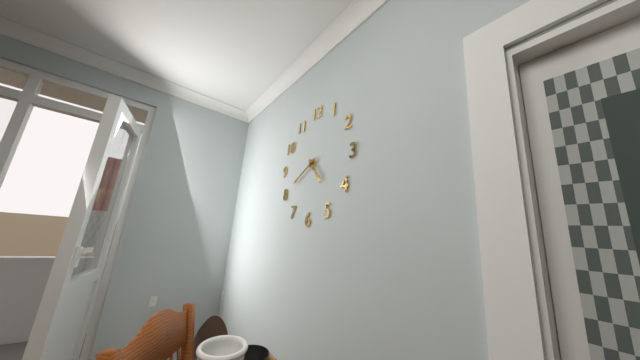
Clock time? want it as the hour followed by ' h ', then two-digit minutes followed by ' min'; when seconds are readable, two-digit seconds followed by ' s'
4 h 40 min
